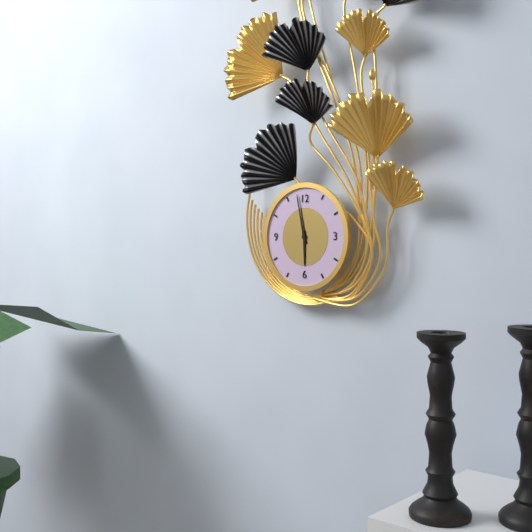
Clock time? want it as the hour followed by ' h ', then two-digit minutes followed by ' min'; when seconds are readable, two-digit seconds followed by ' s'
5 h 58 min
